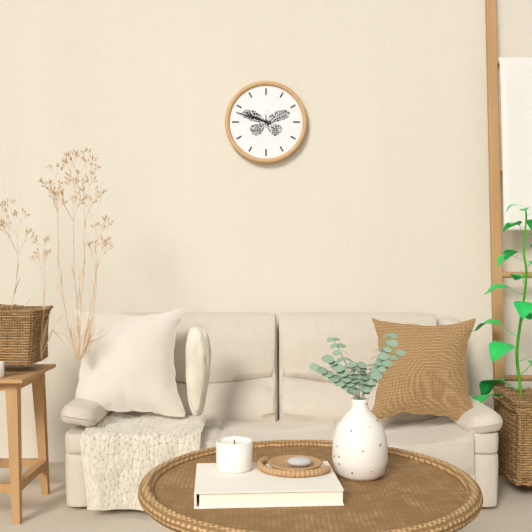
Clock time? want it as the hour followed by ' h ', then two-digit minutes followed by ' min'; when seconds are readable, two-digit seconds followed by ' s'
9 h 48 min
